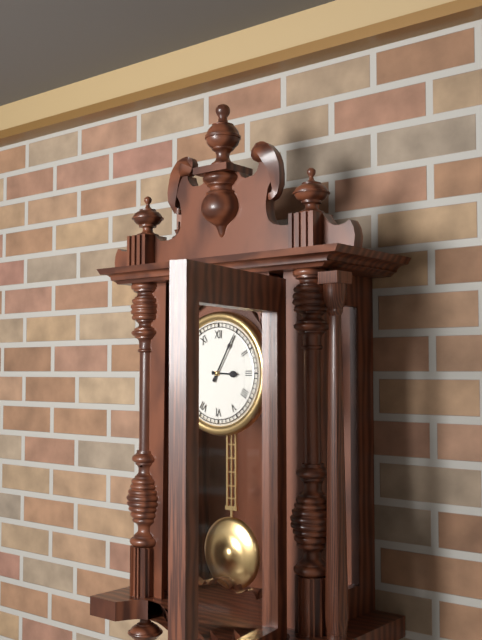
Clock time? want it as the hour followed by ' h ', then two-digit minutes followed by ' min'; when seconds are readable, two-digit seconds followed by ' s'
3 h 05 min
